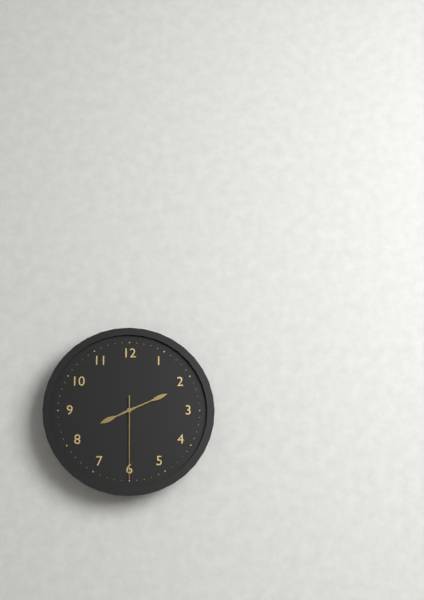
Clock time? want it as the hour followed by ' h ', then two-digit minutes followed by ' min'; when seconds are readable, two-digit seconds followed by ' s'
8 h 11 min 30 s
